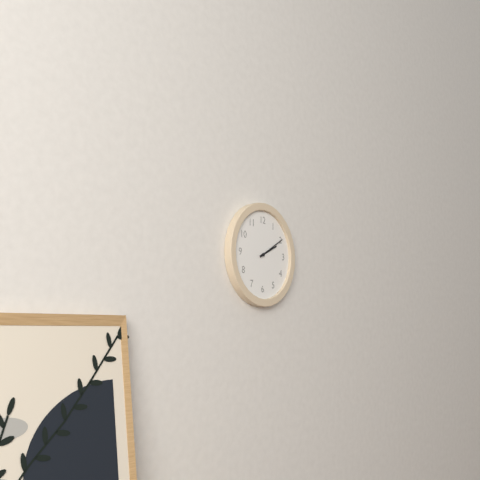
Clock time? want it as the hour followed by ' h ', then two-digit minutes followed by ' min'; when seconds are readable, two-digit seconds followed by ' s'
2 h 10 min
